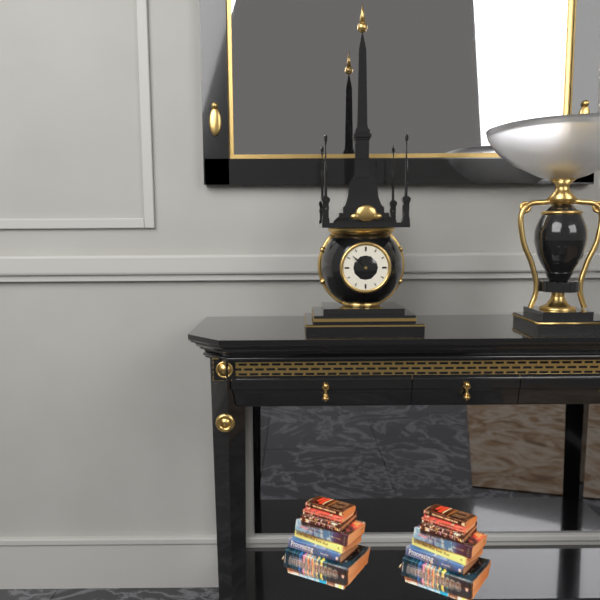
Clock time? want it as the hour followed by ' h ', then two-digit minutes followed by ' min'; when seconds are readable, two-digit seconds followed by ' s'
10 h 52 min
